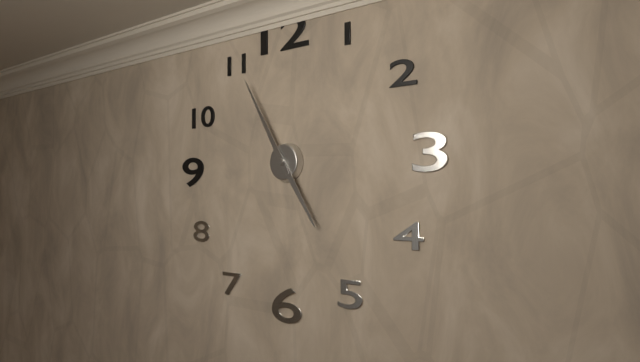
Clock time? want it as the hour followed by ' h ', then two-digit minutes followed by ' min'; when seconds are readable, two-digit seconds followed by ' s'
4 h 55 min
